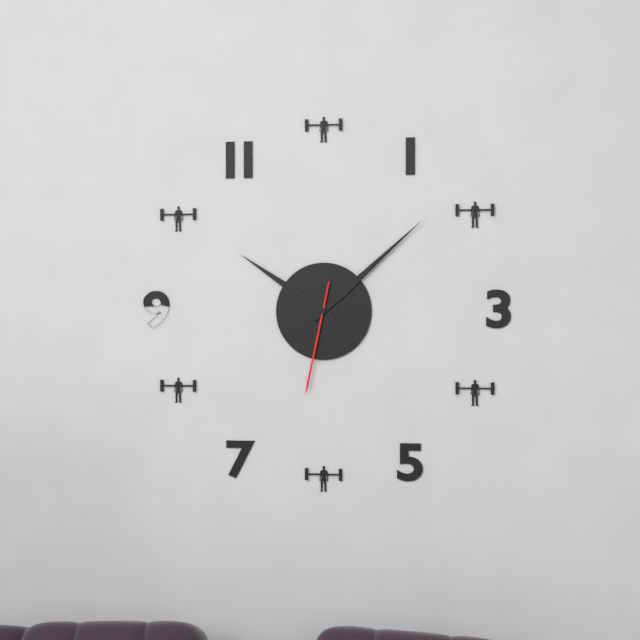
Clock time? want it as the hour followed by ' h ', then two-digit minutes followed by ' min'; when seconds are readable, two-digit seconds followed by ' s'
10 h 08 min 32 s
